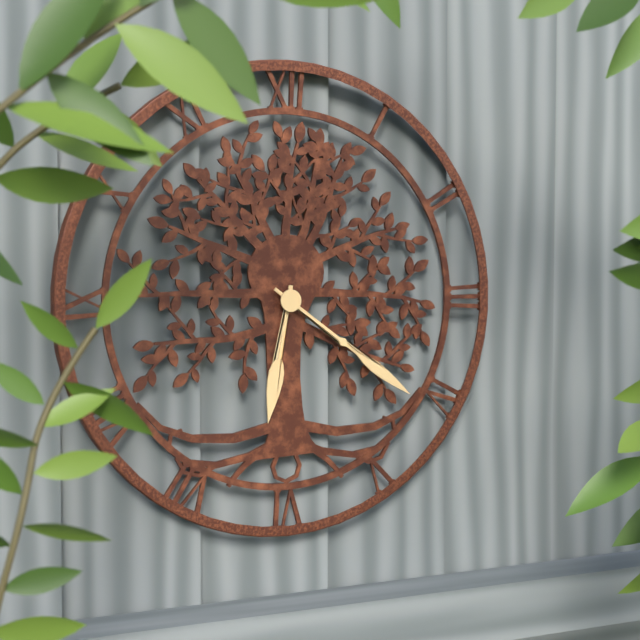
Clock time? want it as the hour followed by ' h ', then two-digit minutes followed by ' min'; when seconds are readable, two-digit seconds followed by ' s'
6 h 21 min
